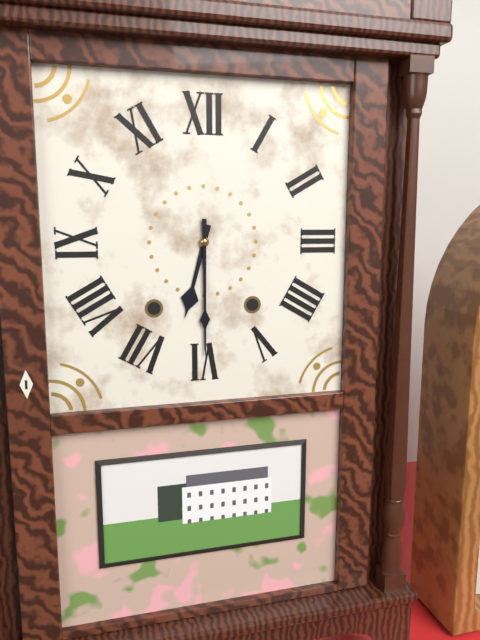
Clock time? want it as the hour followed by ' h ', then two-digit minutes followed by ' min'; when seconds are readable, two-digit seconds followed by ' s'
6 h 30 min
